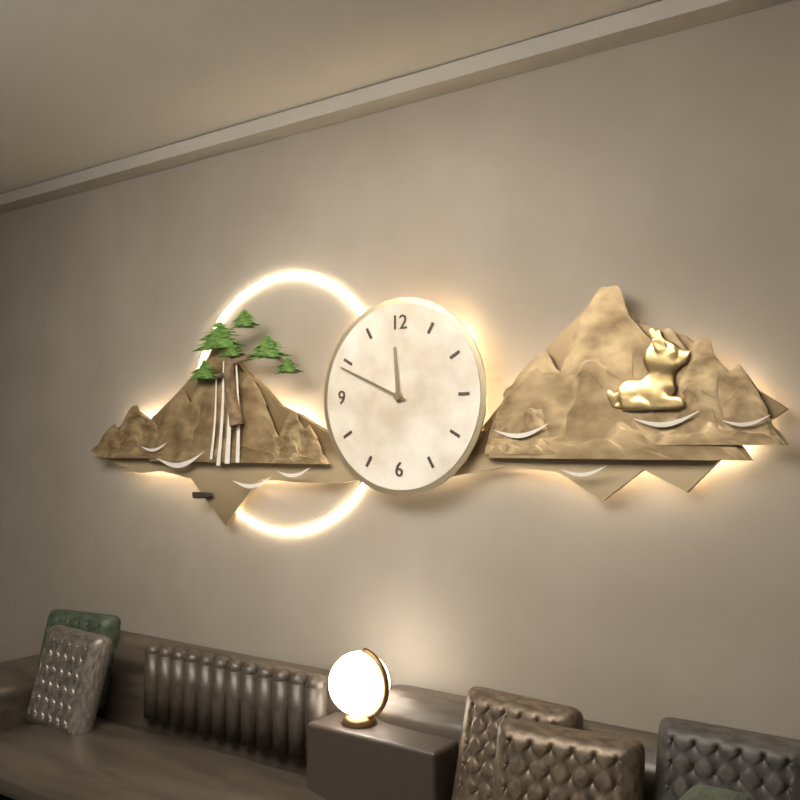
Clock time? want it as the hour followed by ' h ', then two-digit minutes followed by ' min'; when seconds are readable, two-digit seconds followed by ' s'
11 h 49 min
